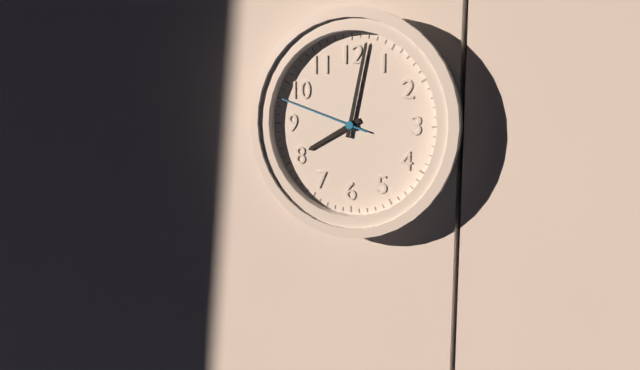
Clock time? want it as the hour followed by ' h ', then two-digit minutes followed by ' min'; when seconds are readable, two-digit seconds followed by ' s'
8 h 02 min 48 s
